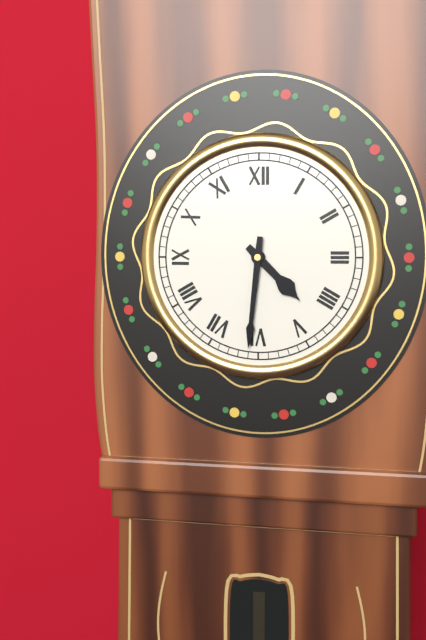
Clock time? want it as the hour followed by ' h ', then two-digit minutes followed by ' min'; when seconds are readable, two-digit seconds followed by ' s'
4 h 31 min
